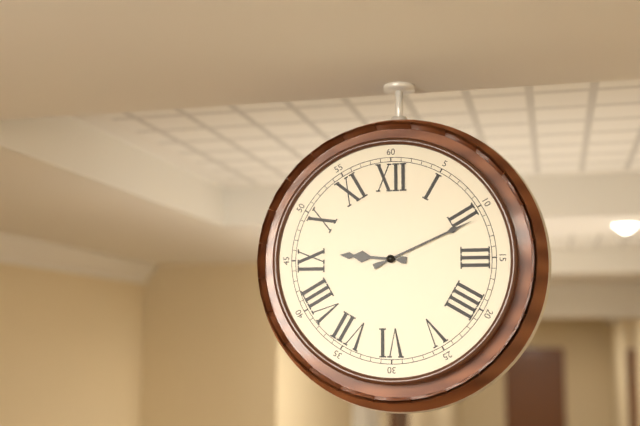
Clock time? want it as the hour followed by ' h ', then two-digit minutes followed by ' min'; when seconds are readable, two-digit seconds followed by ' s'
9 h 11 min
